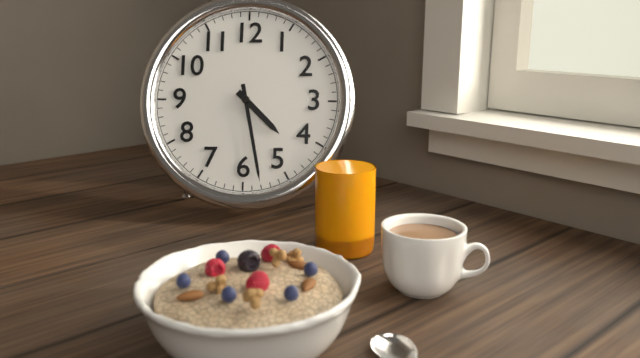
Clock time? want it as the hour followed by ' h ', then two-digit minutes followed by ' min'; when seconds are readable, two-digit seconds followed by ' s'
4 h 28 min
